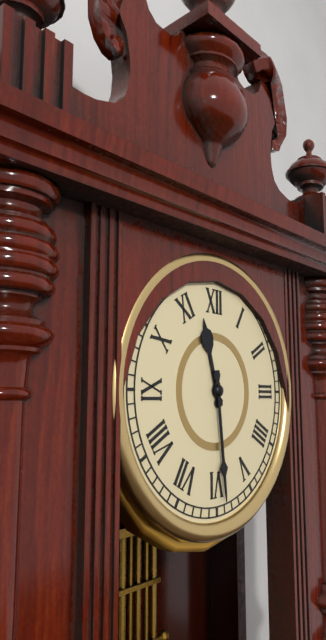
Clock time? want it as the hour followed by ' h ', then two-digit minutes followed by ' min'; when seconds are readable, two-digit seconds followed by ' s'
11 h 29 min
